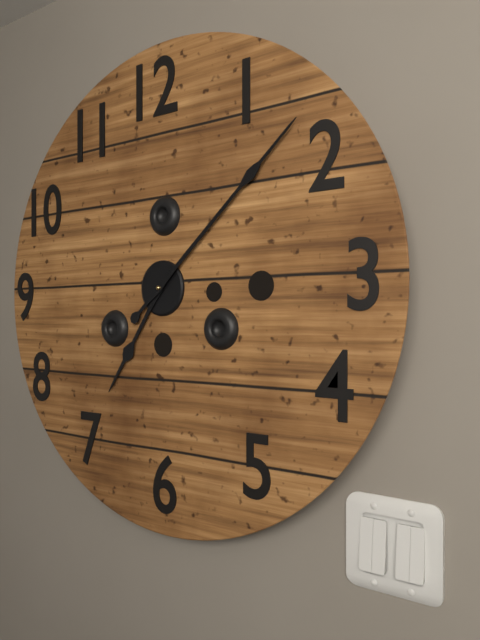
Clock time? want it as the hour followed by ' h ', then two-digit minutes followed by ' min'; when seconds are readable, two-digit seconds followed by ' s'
7 h 08 min
